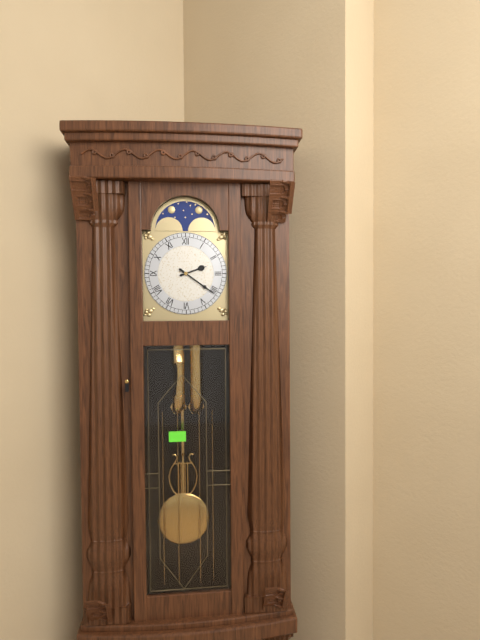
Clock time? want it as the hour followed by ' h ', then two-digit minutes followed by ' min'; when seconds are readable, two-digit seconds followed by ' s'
2 h 21 min
